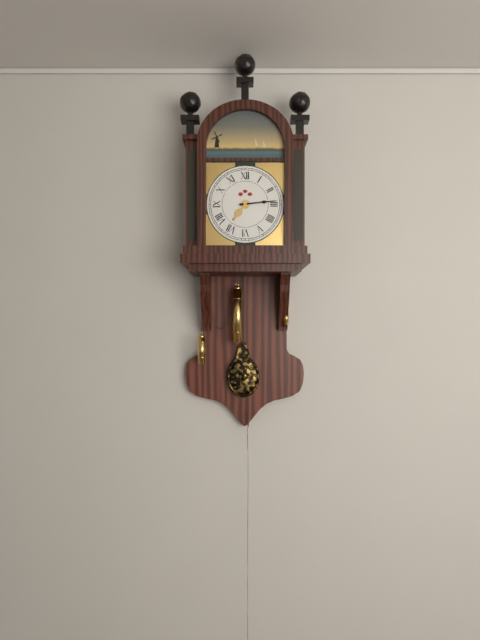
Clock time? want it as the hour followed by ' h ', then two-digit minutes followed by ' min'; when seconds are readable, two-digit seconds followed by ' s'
7 h 14 min
